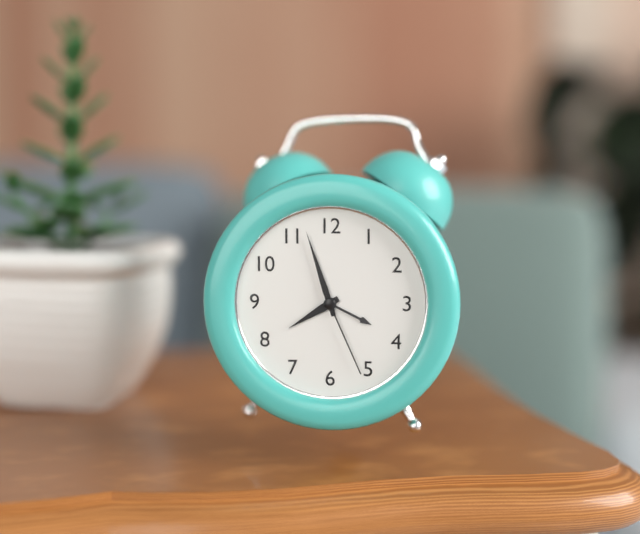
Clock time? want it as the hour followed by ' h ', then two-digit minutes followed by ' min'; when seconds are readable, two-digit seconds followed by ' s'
7 h 57 min 26 s
